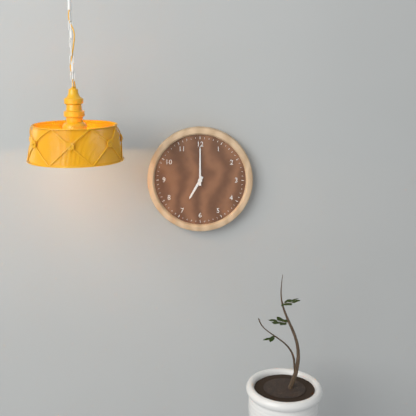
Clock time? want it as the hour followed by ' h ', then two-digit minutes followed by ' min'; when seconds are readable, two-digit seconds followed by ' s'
7 h 00 min
